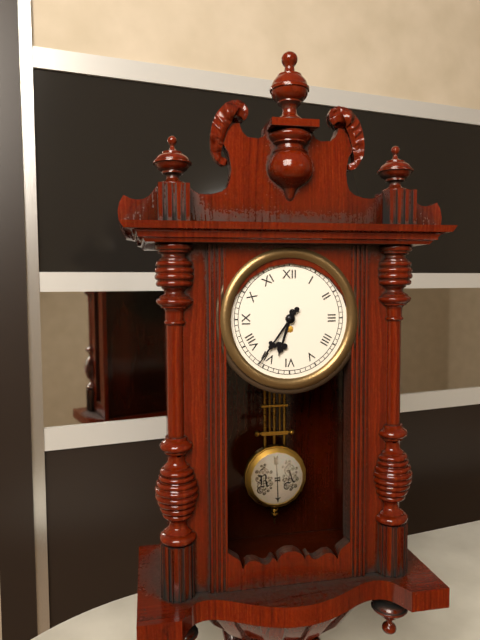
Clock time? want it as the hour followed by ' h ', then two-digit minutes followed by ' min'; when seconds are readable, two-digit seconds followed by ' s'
6 h 36 min
